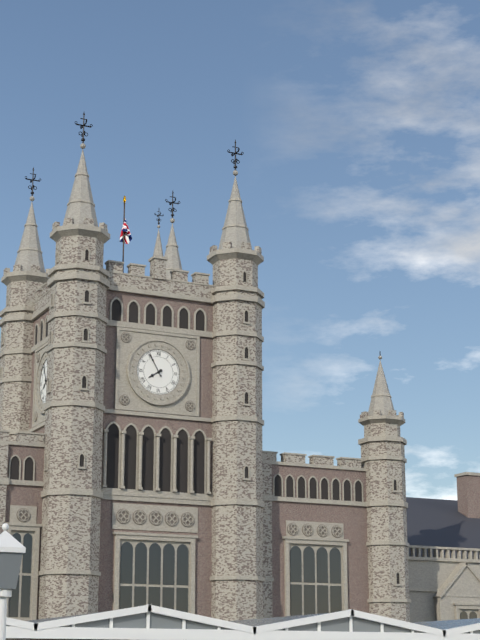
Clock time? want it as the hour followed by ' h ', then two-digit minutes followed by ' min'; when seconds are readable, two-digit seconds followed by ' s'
7 h 55 min
